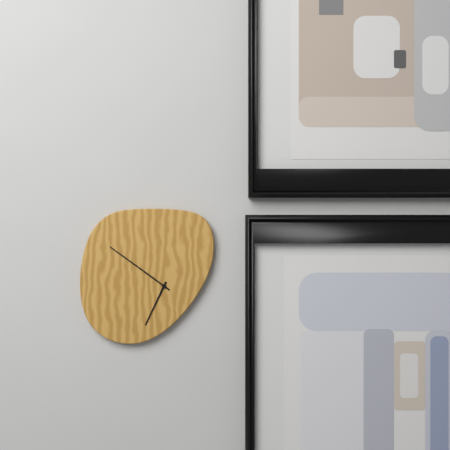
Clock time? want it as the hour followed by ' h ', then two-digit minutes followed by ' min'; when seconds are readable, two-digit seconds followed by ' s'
6 h 51 min
